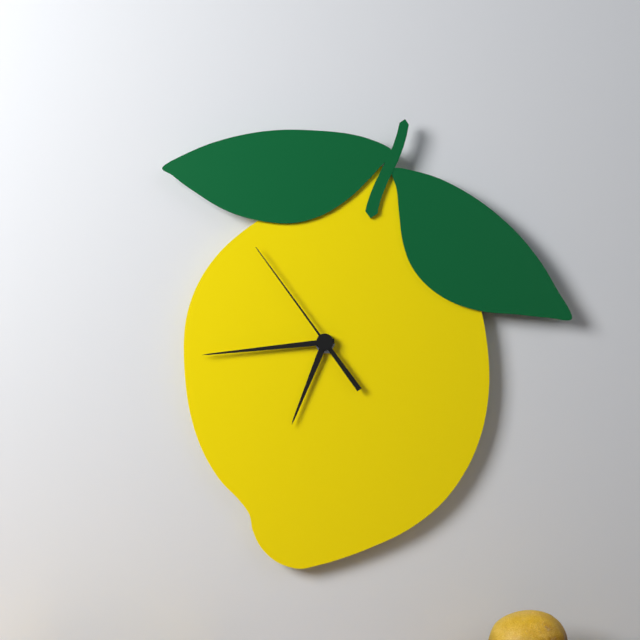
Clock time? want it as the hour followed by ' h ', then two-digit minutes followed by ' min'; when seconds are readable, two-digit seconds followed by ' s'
6 h 44 min 54 s
